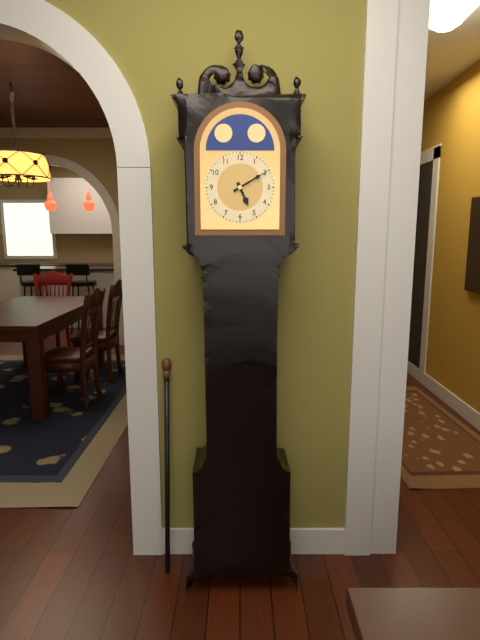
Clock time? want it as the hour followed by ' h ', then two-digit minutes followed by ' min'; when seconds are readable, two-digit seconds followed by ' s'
5 h 10 min
